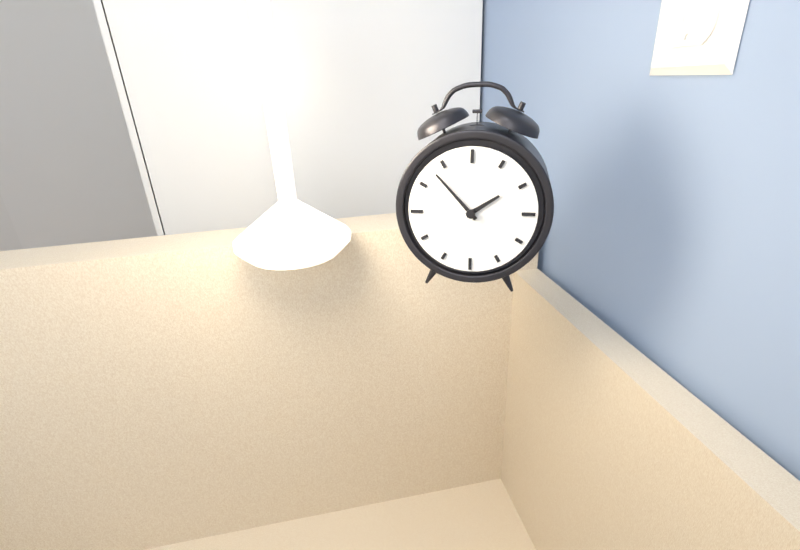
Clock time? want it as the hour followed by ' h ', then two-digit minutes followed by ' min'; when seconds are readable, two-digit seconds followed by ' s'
1 h 53 min
